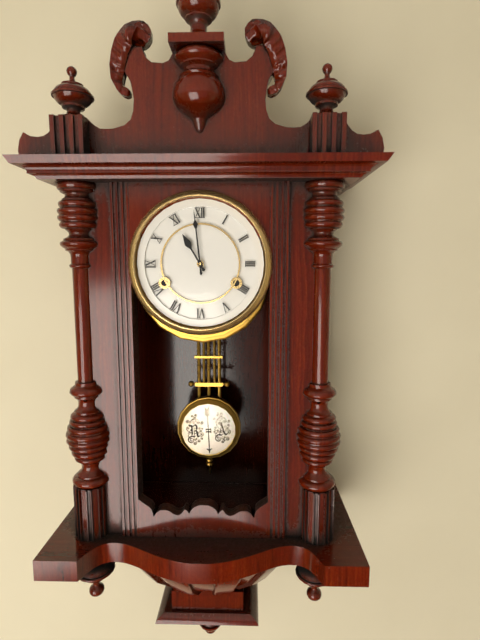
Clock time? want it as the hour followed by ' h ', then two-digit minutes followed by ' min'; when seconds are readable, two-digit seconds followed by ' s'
10 h 59 min
